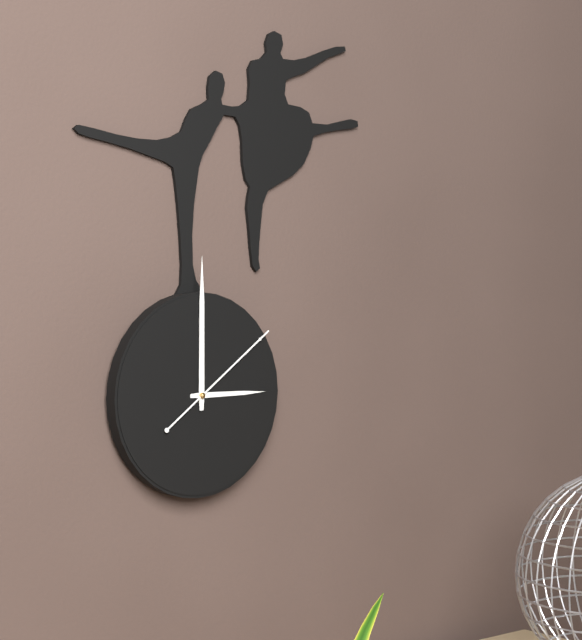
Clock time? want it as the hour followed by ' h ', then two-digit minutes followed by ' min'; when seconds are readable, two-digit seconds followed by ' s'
3 h 00 min 09 s
